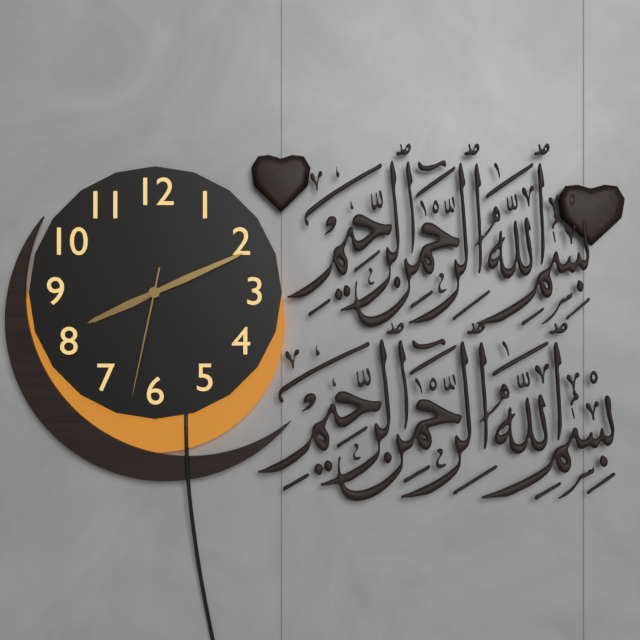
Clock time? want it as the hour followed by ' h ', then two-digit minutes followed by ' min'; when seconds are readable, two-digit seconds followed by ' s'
8 h 11 min 32 s
